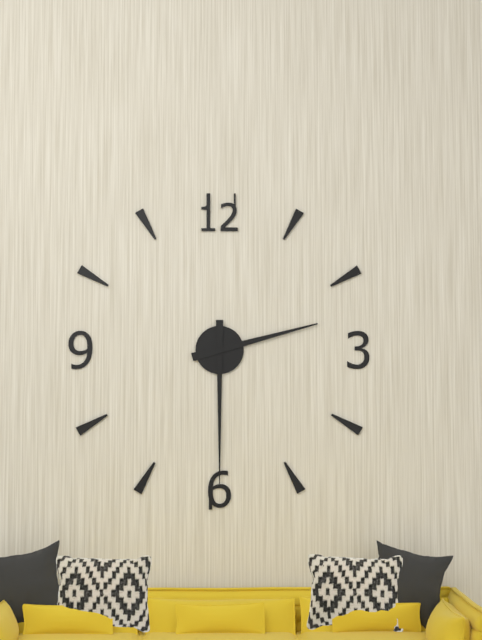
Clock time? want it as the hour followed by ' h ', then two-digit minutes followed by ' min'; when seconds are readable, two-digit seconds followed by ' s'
2 h 30 min
